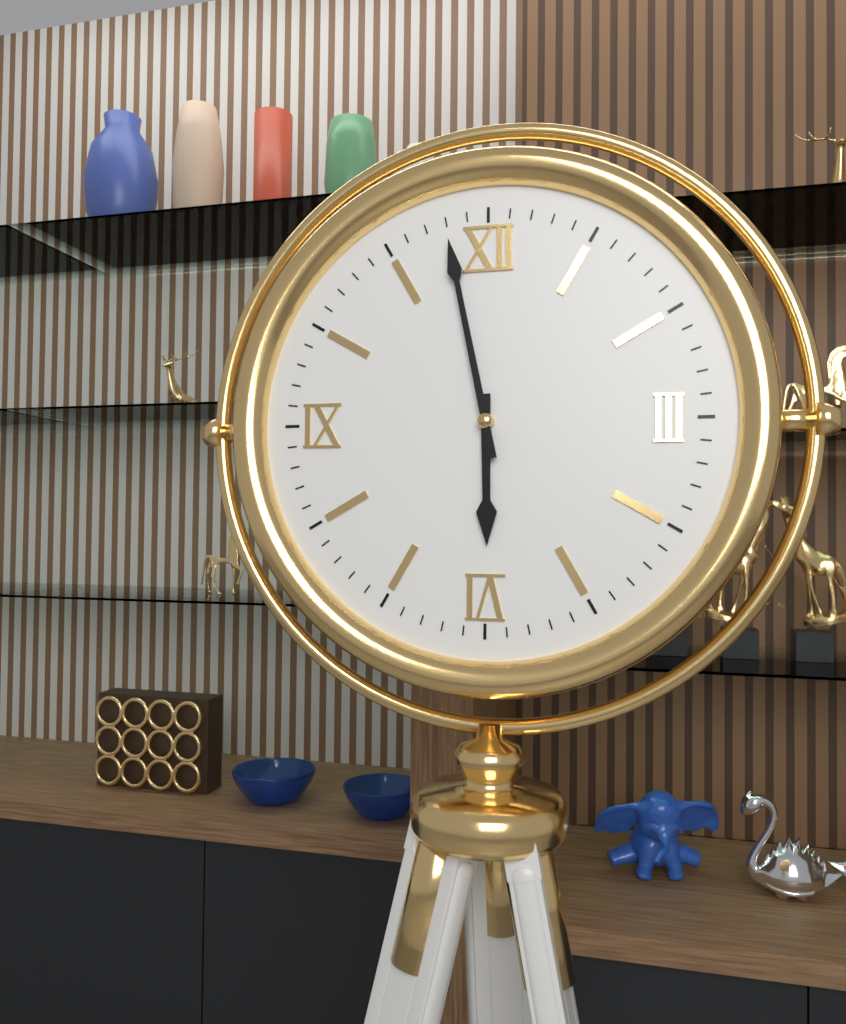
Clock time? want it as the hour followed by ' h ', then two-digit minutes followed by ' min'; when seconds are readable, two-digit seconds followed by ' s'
5 h 58 min
